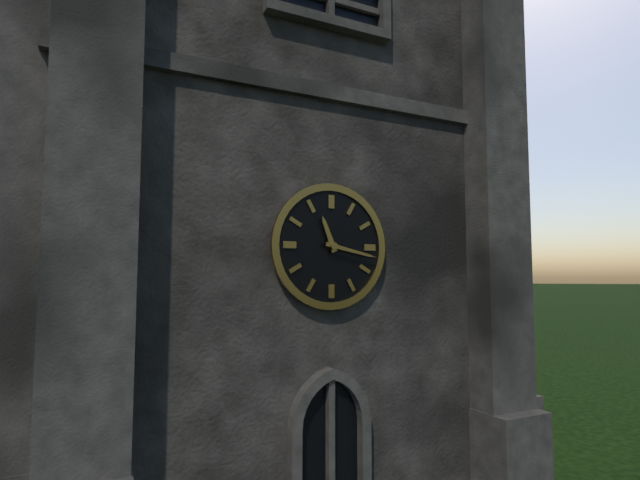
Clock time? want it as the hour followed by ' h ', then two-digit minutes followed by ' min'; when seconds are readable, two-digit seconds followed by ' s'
11 h 17 min
